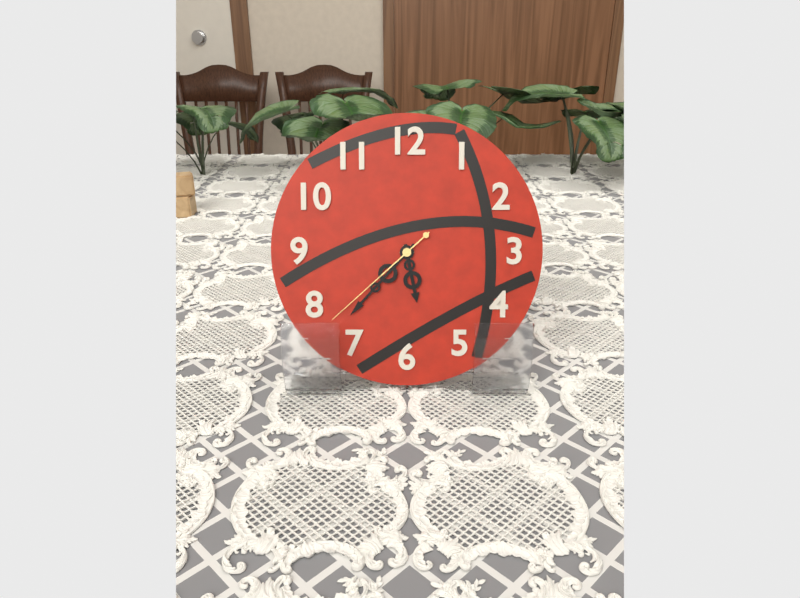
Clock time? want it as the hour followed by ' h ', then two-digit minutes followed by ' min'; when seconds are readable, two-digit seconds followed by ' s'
5 h 37 min 38 s
